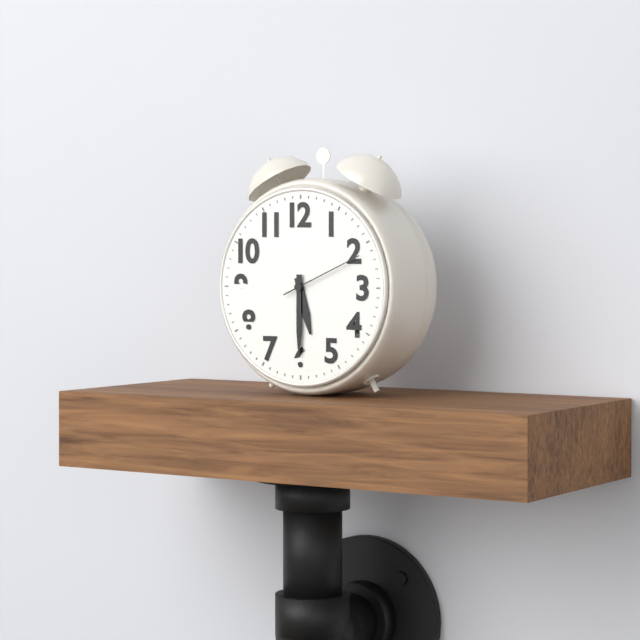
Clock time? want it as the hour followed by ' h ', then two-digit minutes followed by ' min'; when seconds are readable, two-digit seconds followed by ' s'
5 h 30 min 11 s
